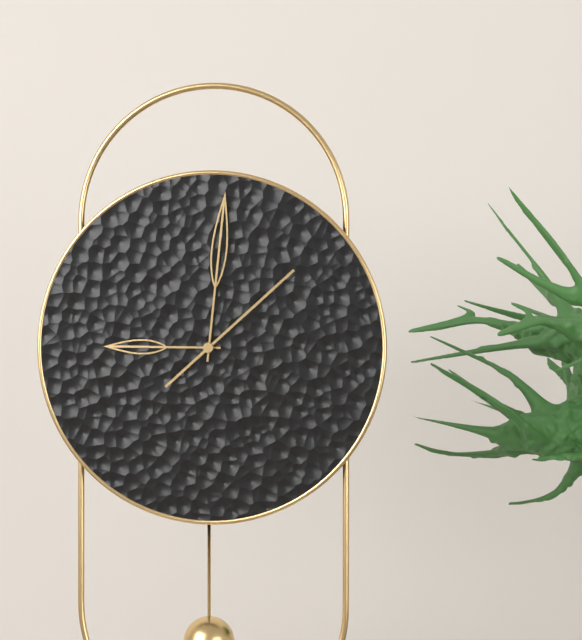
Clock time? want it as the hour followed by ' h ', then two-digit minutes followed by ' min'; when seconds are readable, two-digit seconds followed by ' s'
9 h 01 min 08 s
